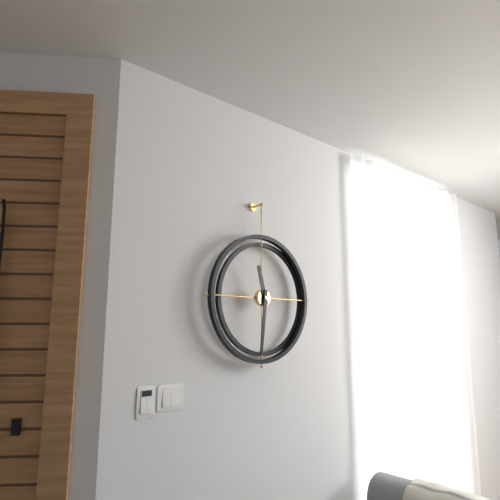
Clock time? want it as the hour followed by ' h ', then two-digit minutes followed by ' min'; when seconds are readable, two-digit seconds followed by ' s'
11 h 31 min
